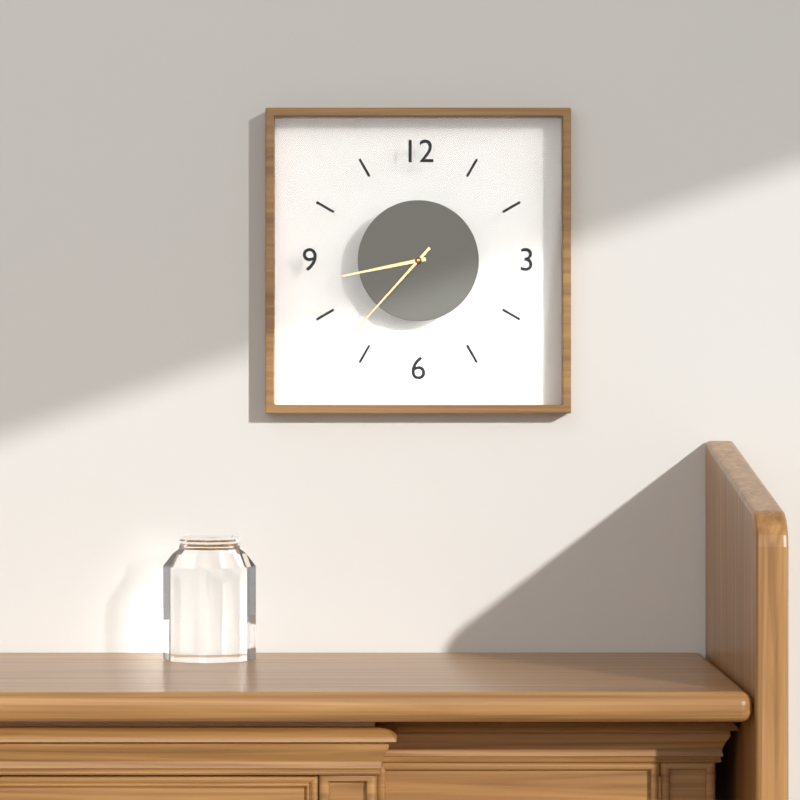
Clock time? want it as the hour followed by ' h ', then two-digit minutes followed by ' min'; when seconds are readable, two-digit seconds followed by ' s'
8 h 37 min
